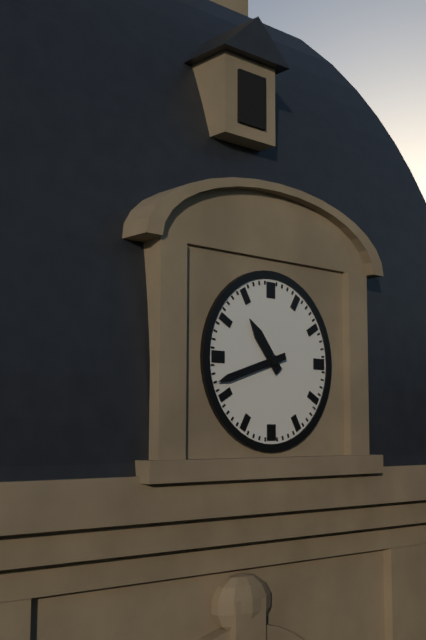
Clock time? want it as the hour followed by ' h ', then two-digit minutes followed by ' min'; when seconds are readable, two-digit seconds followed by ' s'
10 h 42 min
